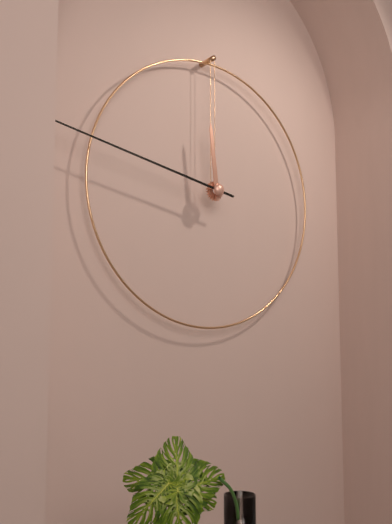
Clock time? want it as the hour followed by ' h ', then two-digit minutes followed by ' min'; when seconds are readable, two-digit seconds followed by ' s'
11 h 47 min
